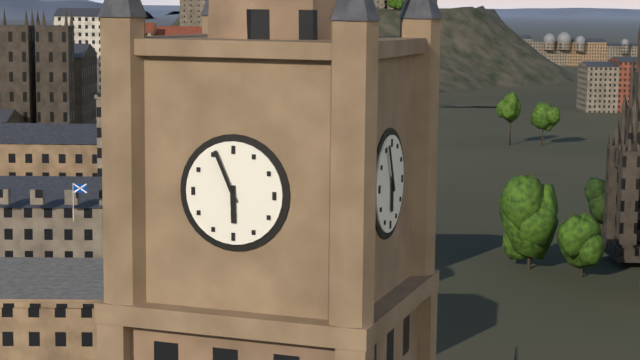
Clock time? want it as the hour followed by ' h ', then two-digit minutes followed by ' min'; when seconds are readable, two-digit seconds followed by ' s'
5 h 56 min
